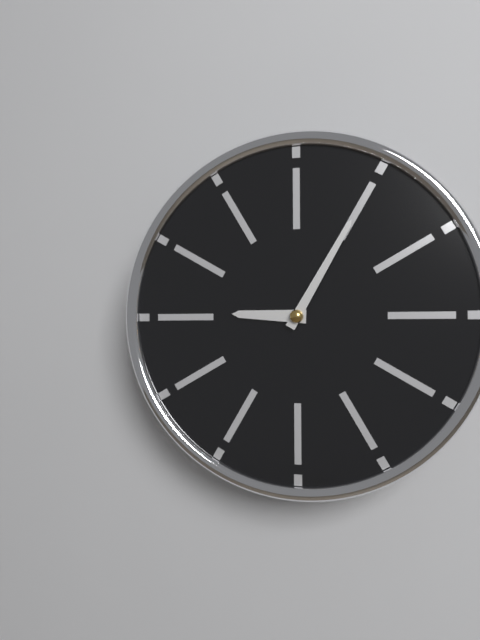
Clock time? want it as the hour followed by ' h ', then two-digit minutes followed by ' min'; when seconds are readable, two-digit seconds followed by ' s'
9 h 05 min
